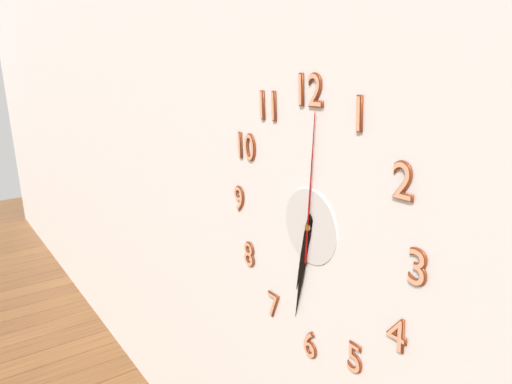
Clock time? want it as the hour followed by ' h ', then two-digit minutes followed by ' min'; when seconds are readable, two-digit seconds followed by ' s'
6 h 32 min 01 s
